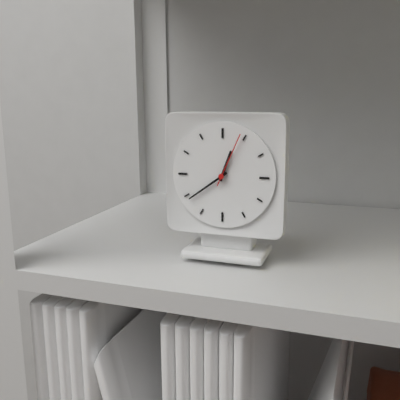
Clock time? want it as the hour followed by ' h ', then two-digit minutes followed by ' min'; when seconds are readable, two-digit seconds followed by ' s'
12 h 39 min 04 s
